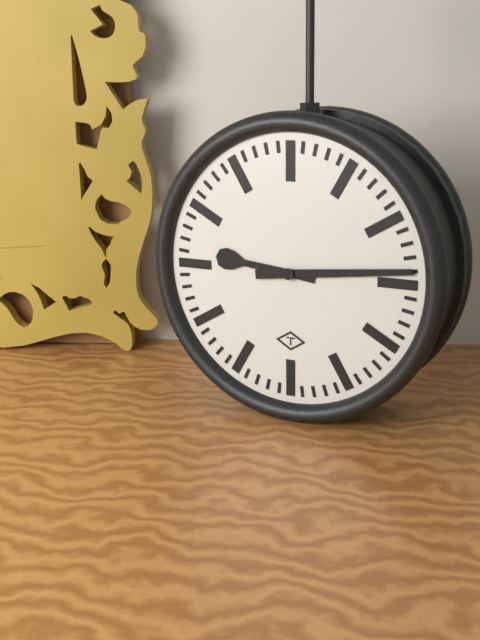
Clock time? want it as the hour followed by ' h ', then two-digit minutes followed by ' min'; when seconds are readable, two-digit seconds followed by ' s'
9 h 14 min
